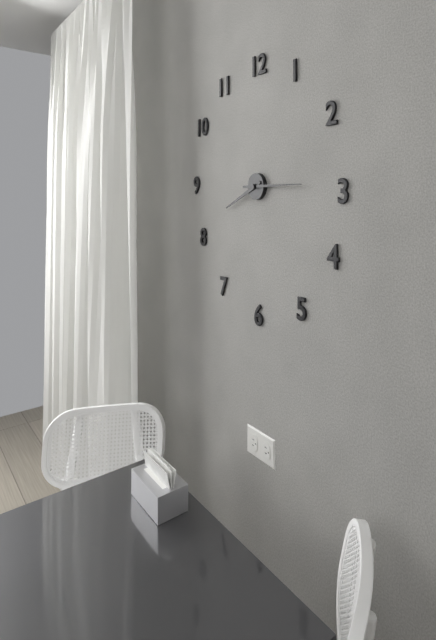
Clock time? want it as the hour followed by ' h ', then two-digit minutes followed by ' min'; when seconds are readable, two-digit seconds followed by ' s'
8 h 15 min
